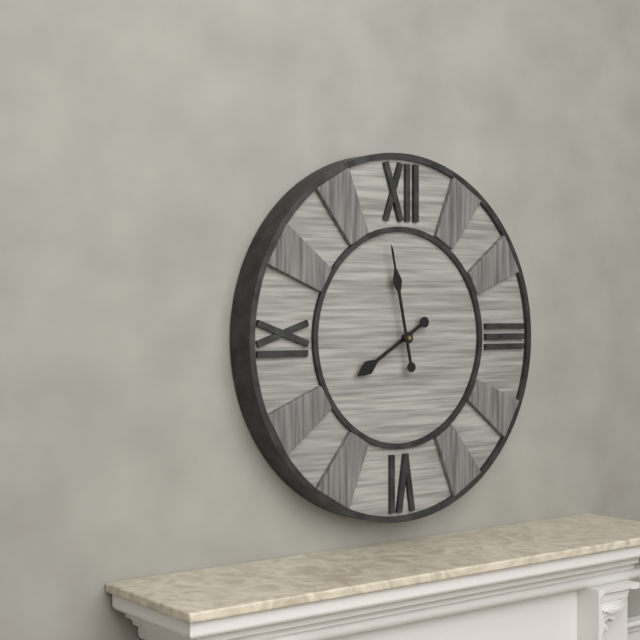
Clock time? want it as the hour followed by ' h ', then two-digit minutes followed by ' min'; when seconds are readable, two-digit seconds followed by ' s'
7 h 58 min
